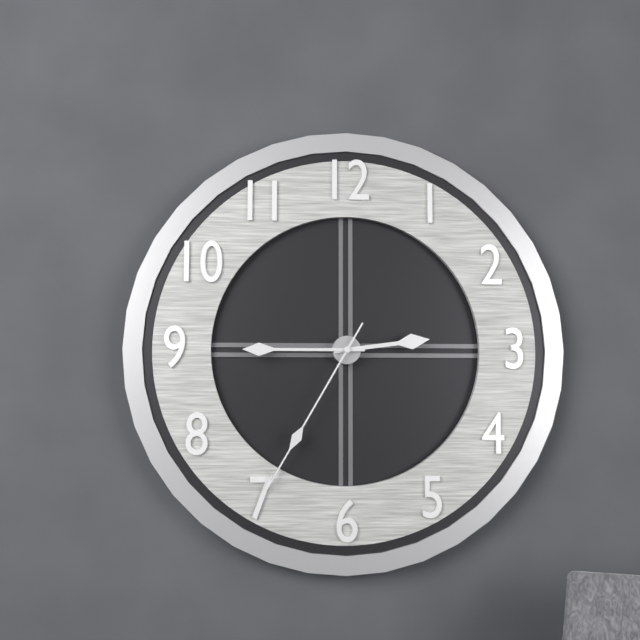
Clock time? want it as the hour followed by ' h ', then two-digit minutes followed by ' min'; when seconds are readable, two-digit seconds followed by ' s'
2 h 45 min 35 s
